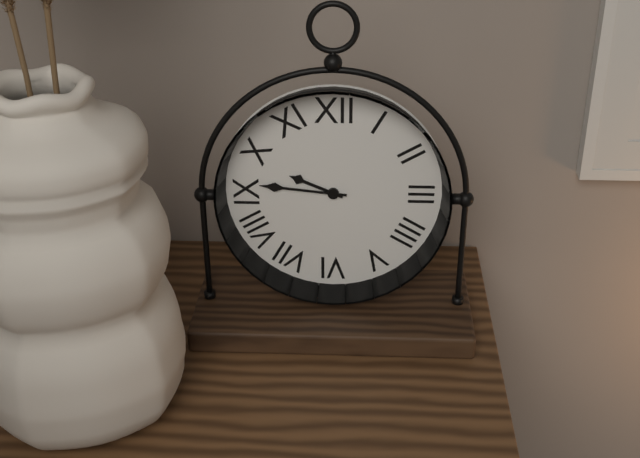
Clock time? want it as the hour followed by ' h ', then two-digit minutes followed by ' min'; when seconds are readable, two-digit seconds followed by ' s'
9 h 46 min
